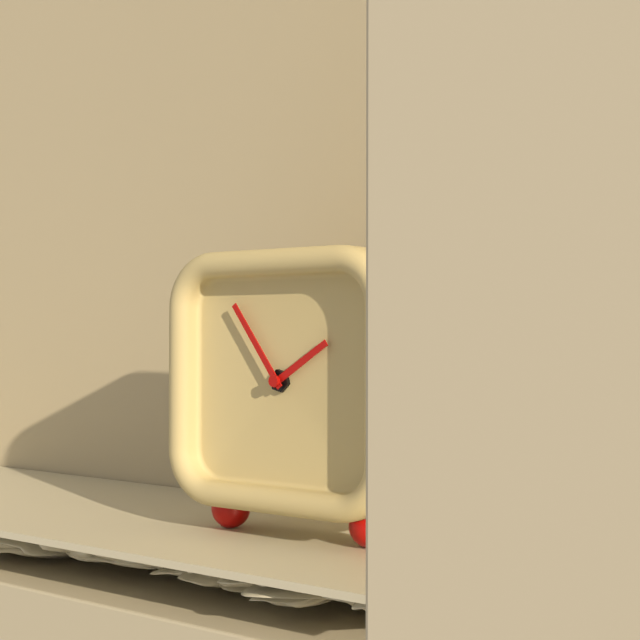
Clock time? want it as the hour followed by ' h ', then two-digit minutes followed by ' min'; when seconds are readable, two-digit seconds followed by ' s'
1 h 54 min
